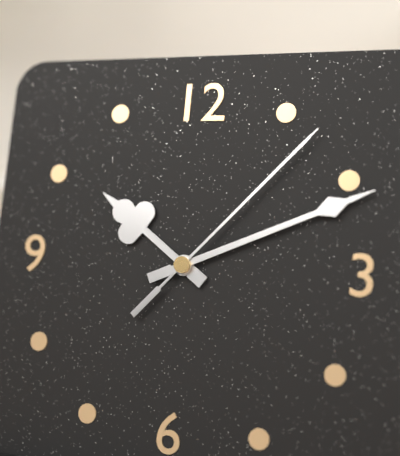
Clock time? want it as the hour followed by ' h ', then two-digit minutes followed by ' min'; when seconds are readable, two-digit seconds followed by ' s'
10 h 11 min 07 s
